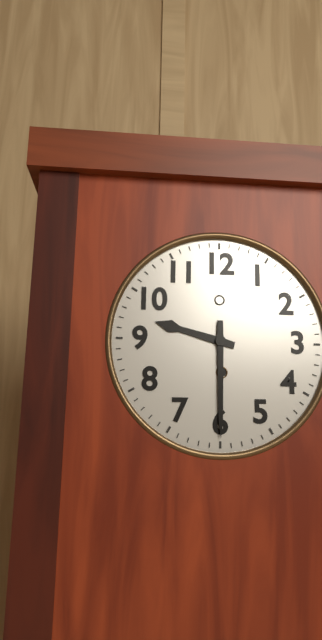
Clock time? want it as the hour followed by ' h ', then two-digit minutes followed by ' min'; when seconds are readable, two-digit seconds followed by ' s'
9 h 30 min
